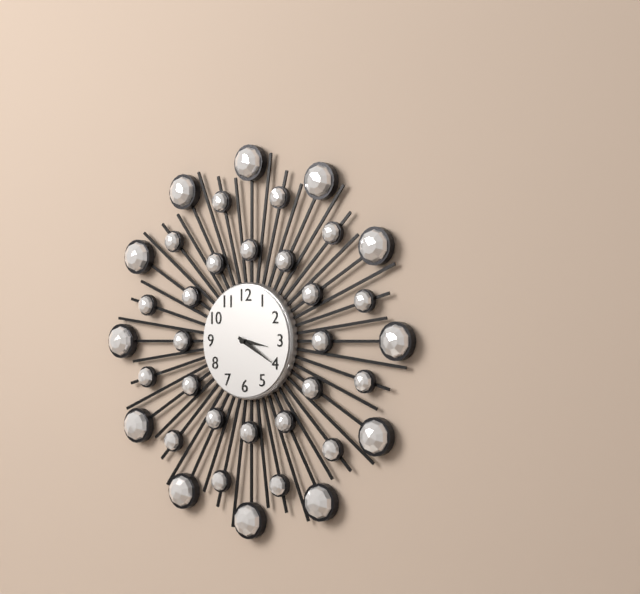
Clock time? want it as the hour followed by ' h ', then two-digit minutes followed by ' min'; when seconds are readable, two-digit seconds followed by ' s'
3 h 20 min
